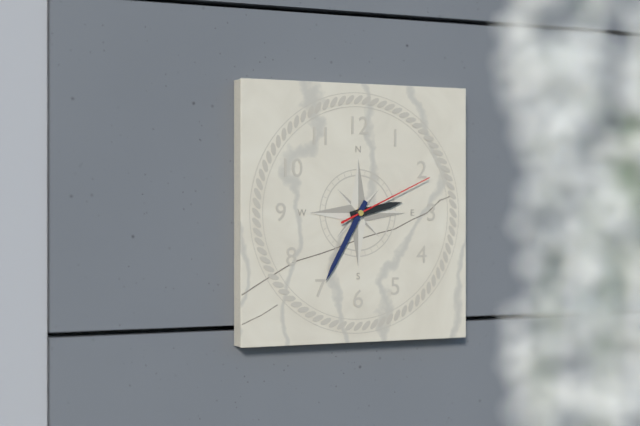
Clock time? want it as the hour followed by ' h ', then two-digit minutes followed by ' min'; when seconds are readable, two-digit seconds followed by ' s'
2 h 35 min 11 s
